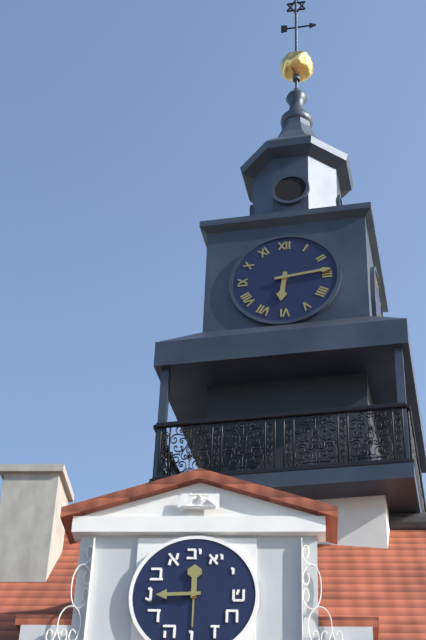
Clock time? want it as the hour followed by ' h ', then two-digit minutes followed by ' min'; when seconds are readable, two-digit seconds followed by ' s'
6 h 14 min
